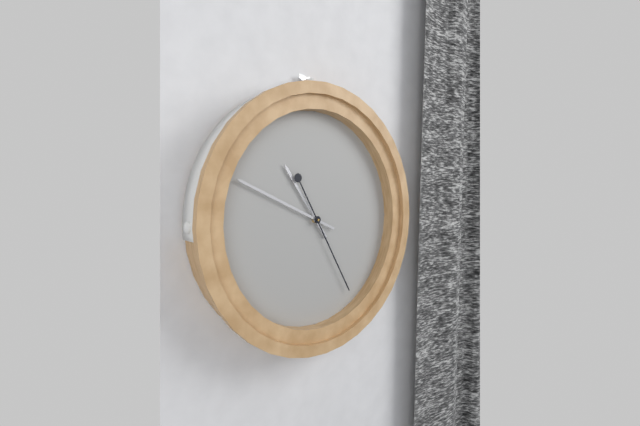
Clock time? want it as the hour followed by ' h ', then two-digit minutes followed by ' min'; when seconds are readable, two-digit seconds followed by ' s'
10 h 49 min 25 s
